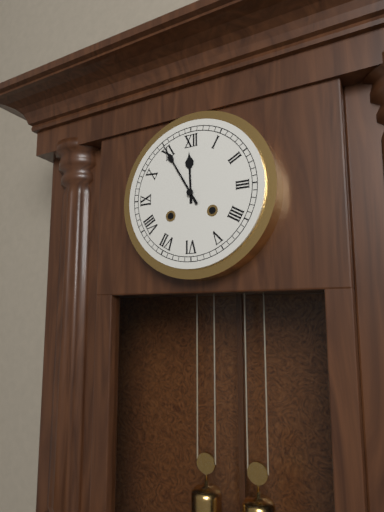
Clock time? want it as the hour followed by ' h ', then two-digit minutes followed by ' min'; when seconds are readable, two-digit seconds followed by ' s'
11 h 55 min
